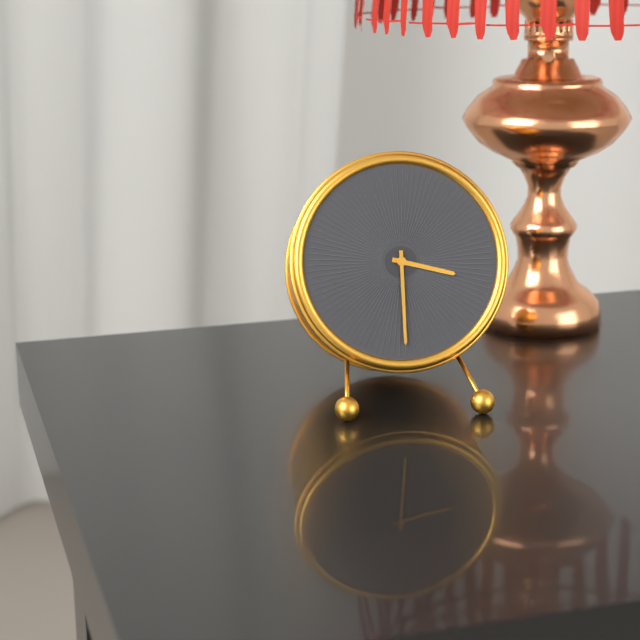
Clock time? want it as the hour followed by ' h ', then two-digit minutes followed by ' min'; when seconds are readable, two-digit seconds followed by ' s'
3 h 30 min
